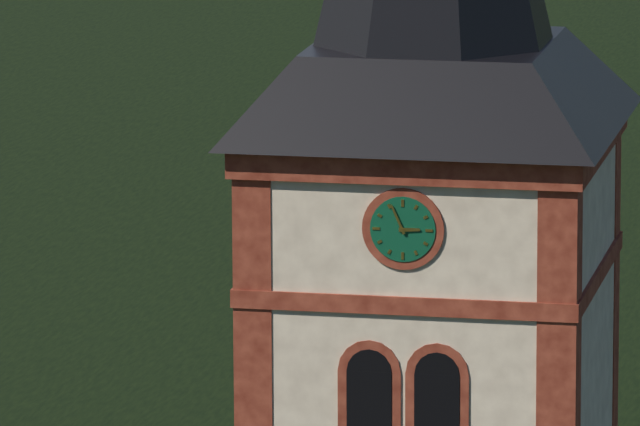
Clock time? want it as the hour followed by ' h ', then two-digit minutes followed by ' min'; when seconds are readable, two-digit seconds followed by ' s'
2 h 56 min
